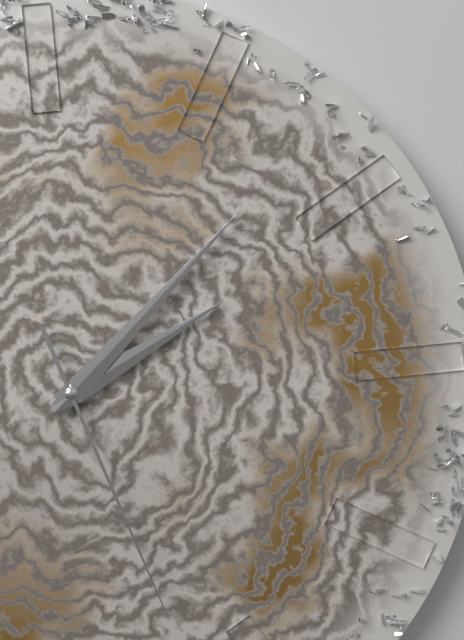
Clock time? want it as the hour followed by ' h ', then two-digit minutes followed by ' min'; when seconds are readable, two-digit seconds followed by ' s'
2 h 08 min 27 s
